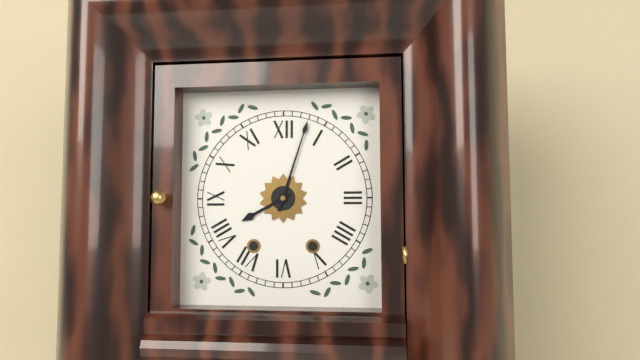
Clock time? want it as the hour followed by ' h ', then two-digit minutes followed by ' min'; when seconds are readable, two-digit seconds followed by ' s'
8 h 03 min
